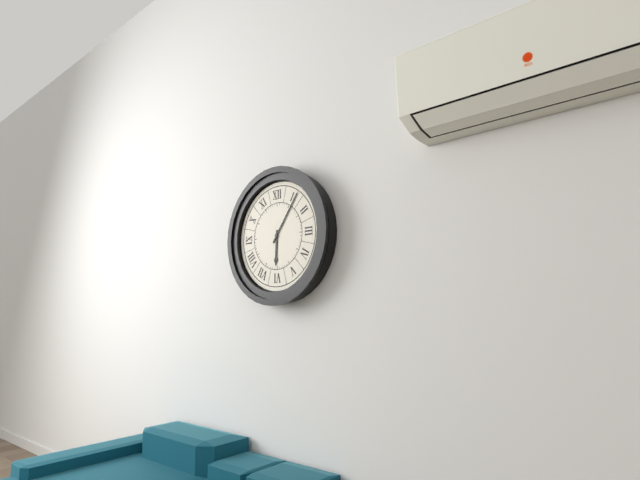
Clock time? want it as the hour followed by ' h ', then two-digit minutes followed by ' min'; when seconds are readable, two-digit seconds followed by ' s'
6 h 06 min
